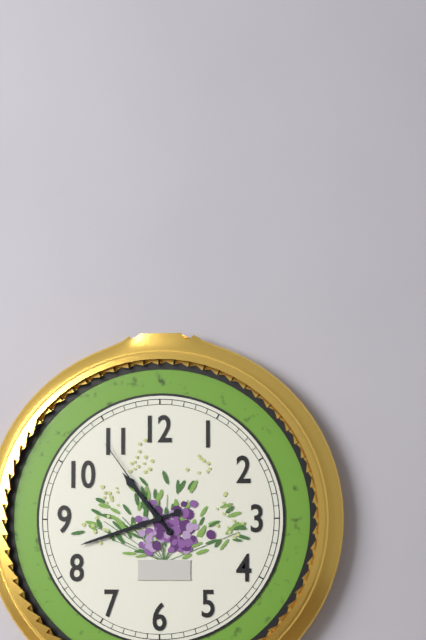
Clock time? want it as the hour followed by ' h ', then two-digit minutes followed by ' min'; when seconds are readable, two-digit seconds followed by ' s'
10 h 42 min 54 s
